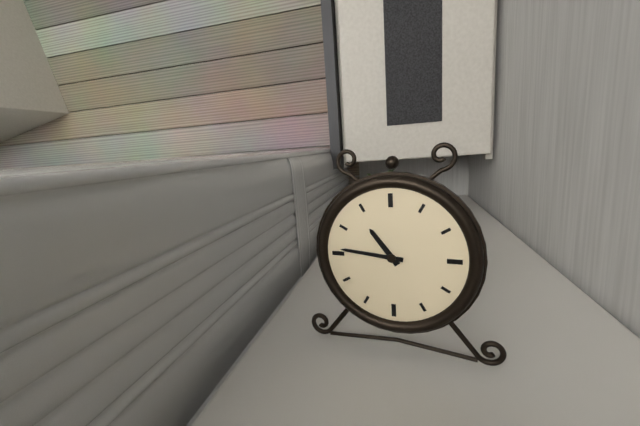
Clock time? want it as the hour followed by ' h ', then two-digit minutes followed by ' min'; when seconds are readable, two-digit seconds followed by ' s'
10 h 46 min
